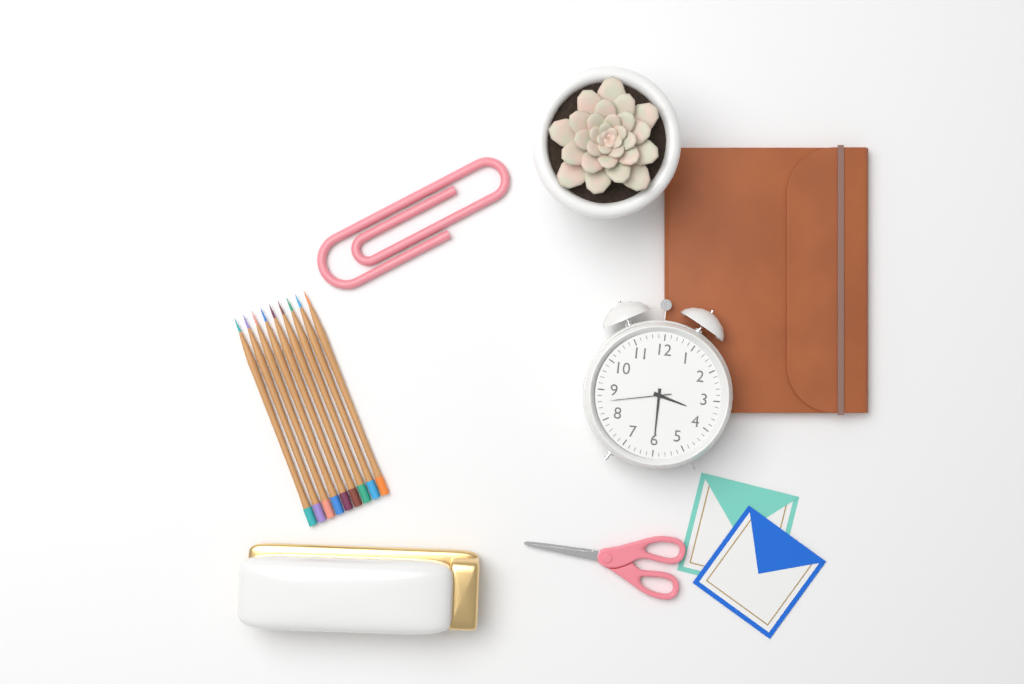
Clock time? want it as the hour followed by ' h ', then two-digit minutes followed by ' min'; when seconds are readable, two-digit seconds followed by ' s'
3 h 30 min 43 s
